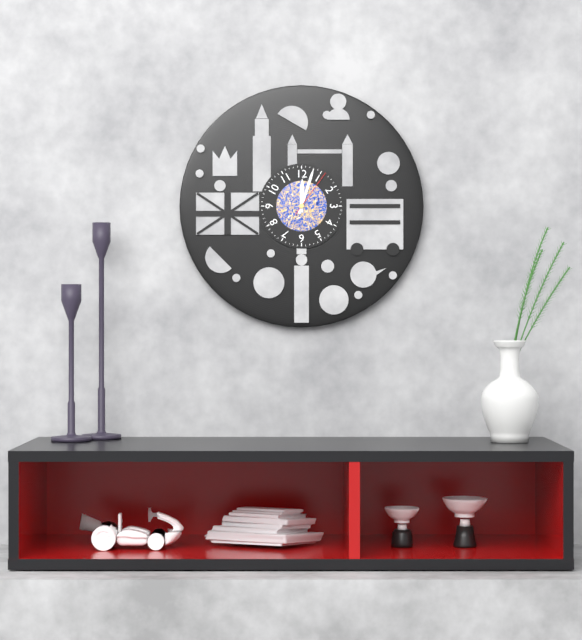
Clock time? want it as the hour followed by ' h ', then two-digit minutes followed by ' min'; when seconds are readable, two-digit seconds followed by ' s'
12 h 03 min 06 s
